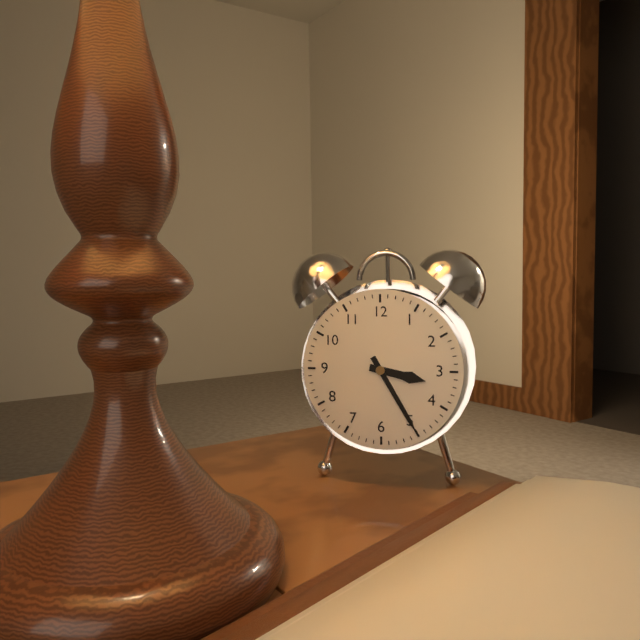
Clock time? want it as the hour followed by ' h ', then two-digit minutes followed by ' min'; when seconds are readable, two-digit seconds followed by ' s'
3 h 25 min
